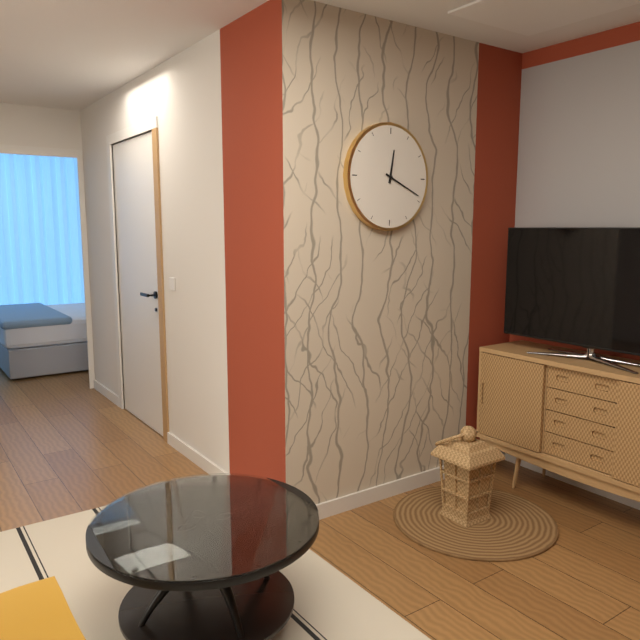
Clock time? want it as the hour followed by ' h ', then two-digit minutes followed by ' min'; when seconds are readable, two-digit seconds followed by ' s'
12 h 19 min
